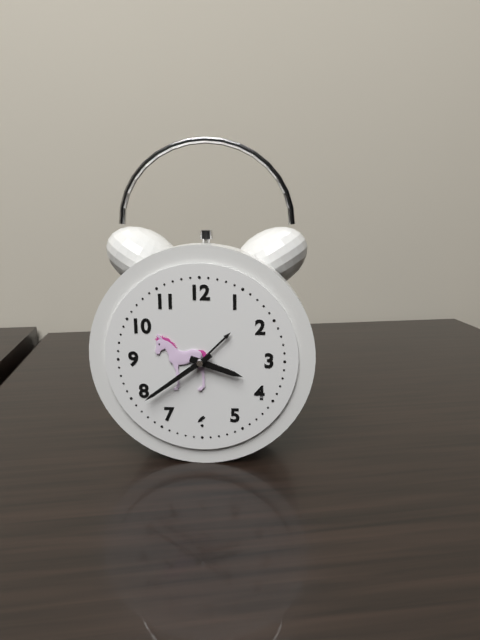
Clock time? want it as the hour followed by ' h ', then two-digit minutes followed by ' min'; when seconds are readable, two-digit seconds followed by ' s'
3 h 39 min
